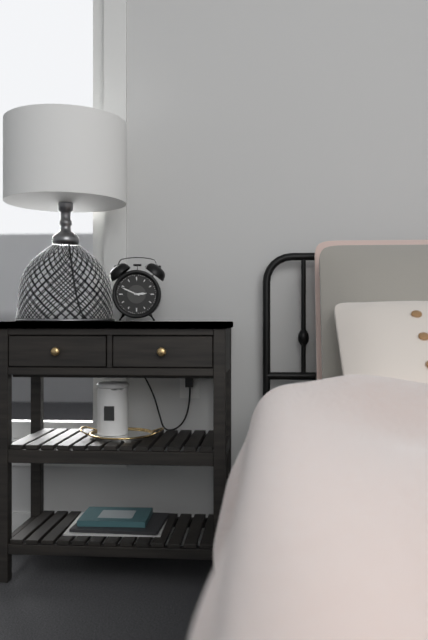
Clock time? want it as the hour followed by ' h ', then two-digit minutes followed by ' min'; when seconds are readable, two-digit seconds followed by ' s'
2 h 49 min
